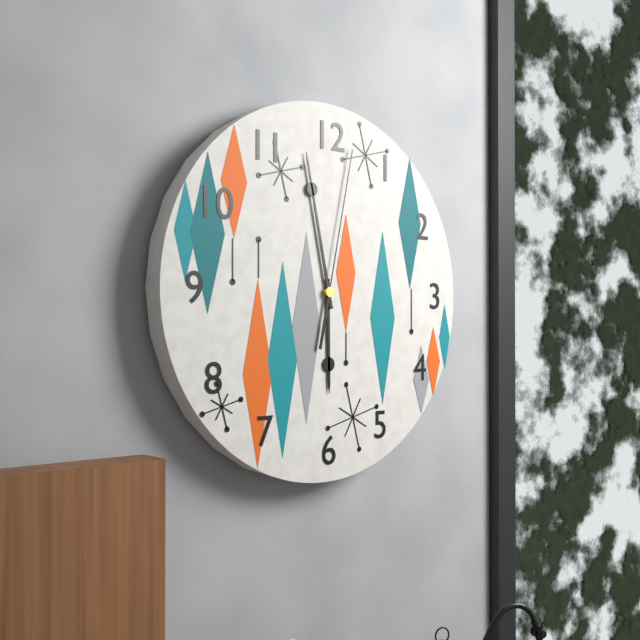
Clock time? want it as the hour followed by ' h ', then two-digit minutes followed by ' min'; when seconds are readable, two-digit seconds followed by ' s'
5 h 58 min 02 s
